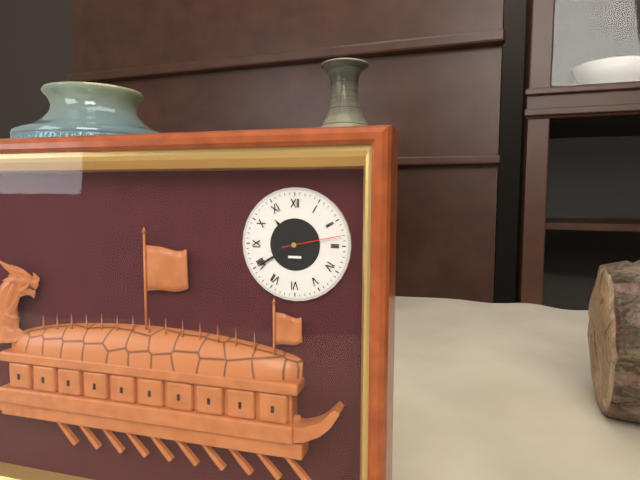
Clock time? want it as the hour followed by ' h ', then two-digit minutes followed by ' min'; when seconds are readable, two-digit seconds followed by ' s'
10 h 40 min 13 s
